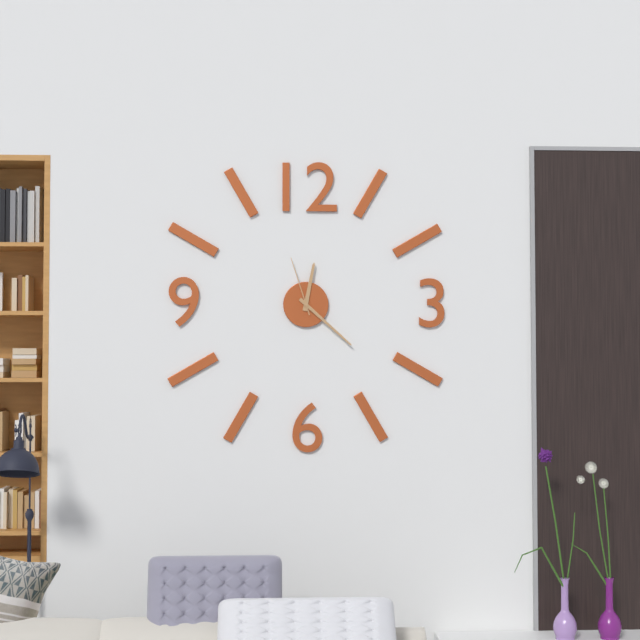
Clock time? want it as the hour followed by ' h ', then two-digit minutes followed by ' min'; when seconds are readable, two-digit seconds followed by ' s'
12 h 22 min 57 s
